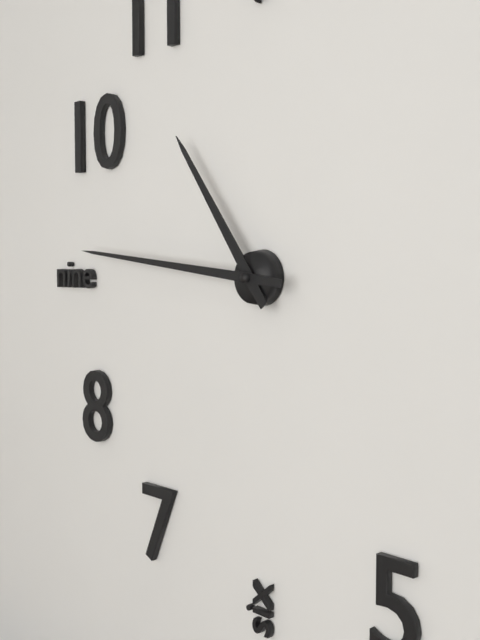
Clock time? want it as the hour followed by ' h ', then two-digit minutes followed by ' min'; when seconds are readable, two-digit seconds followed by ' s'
10 h 46 min
